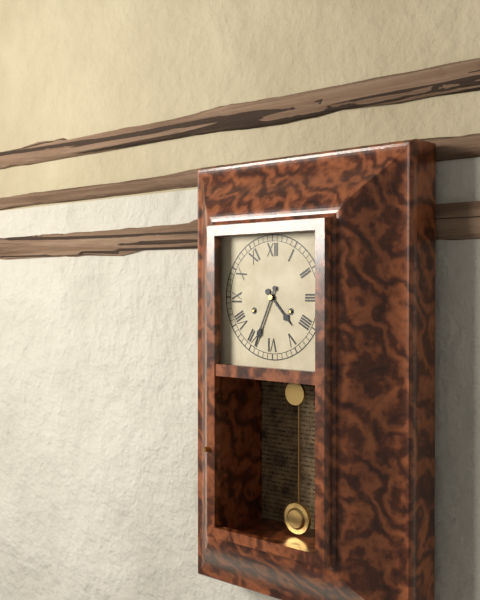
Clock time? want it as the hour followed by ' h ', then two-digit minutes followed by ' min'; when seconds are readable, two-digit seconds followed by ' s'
4 h 34 min
